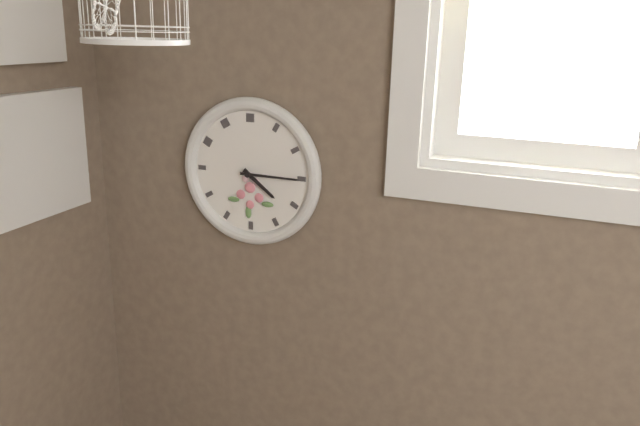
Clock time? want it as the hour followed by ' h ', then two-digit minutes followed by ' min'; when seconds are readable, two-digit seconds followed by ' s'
4 h 15 min
